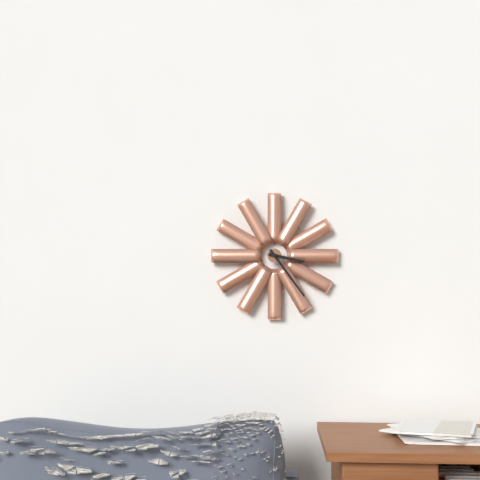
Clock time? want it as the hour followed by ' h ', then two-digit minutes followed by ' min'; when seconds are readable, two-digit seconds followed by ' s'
3 h 24 min
